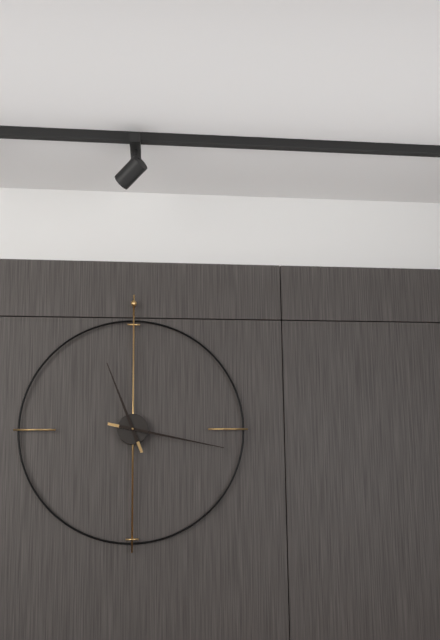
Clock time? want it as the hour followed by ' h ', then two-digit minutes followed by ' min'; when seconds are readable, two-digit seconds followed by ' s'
11 h 17 min
